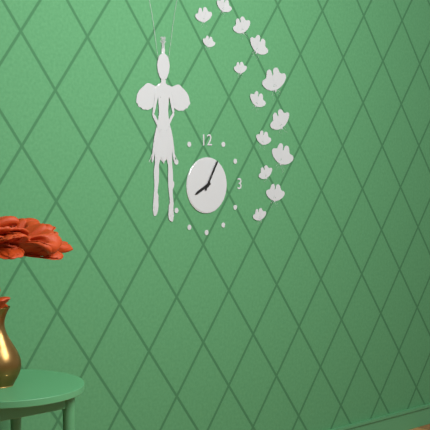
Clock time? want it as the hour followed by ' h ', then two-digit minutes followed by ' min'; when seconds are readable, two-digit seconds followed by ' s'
8 h 05 min
